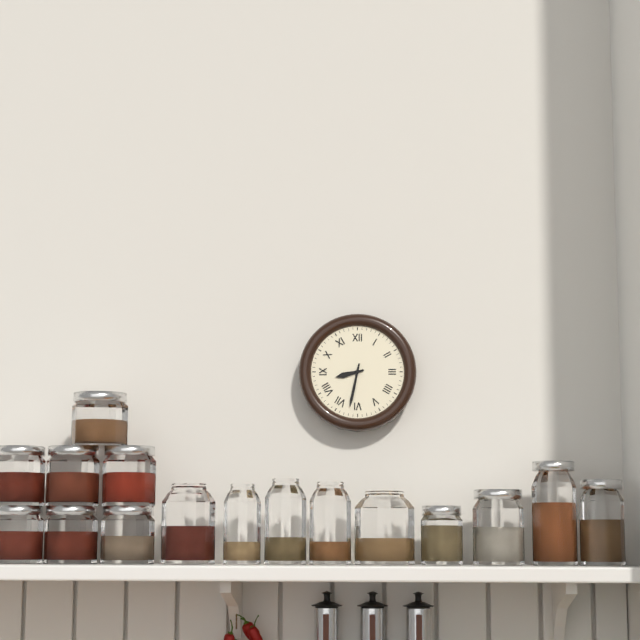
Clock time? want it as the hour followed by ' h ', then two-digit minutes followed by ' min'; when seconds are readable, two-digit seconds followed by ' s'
8 h 32 min
